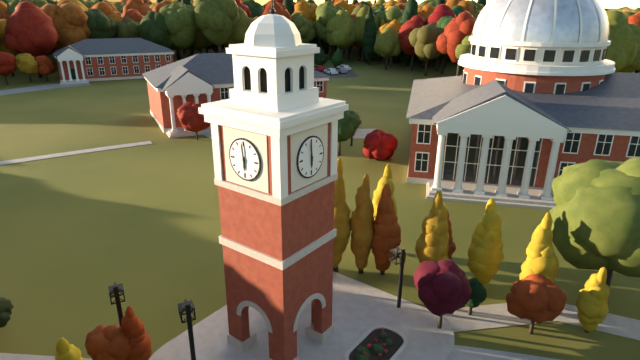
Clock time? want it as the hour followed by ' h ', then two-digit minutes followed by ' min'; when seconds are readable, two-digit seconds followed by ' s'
5 h 59 min
